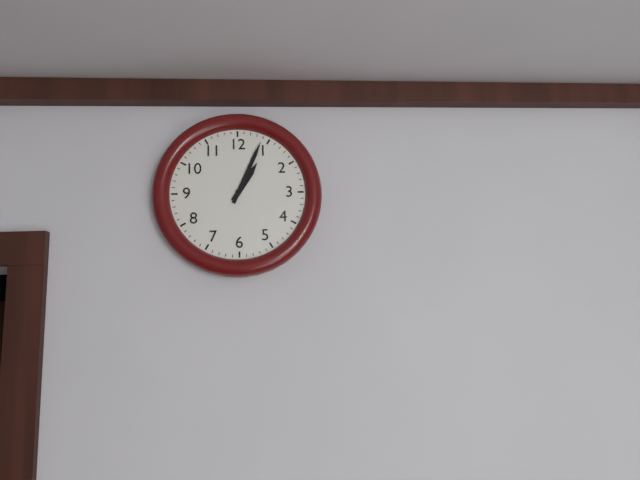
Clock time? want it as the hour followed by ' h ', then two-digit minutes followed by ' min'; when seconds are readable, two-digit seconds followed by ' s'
1 h 04 min
